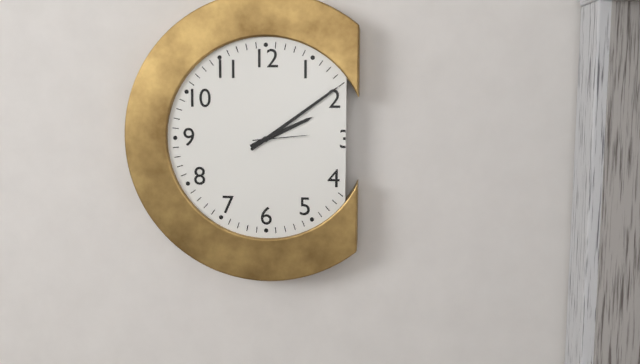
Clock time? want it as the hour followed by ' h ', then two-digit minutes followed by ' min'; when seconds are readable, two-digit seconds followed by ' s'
2 h 09 min 14 s
